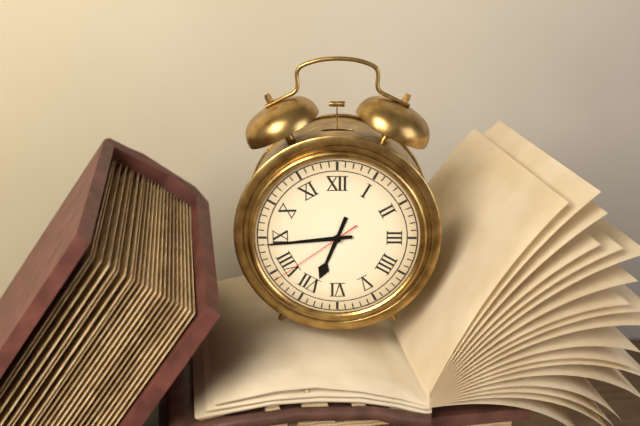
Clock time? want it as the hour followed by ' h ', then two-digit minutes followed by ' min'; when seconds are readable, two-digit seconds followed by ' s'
6 h 44 min 39 s
